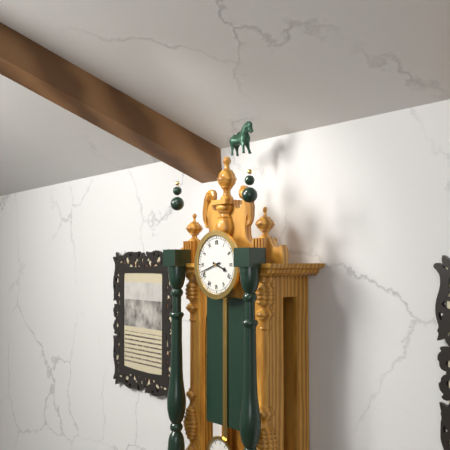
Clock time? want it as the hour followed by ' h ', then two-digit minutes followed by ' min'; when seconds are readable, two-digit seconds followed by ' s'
3 h 42 min
